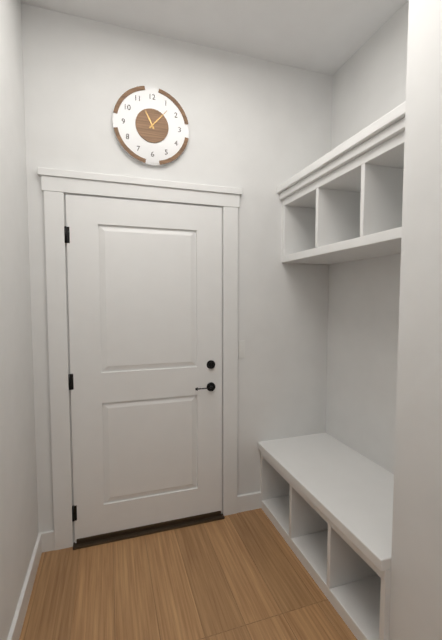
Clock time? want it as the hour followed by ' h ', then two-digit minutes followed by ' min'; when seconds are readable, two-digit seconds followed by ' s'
11 h 07 min
